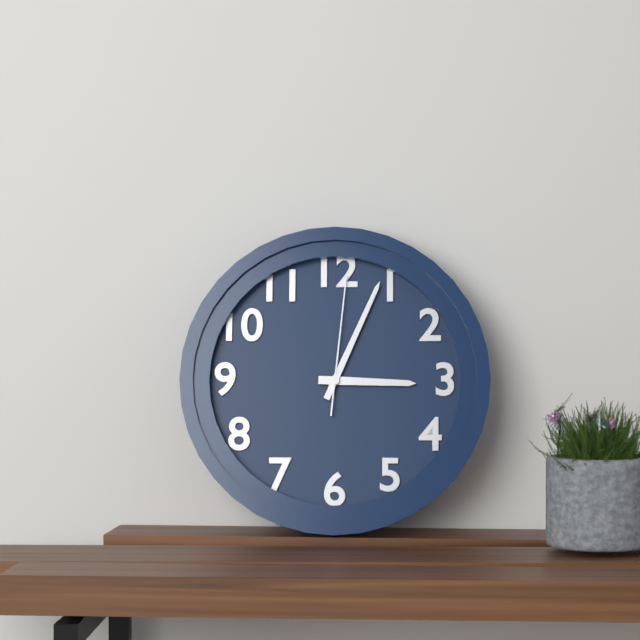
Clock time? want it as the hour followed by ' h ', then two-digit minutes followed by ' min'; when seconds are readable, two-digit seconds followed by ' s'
3 h 04 min 01 s
